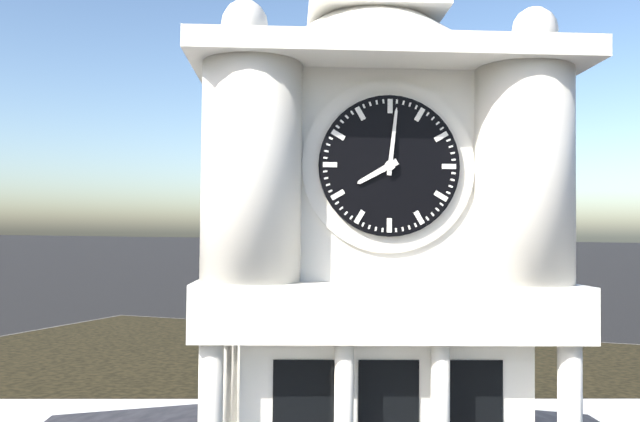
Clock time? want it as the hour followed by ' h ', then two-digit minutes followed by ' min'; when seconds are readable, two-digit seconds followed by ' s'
8 h 01 min
